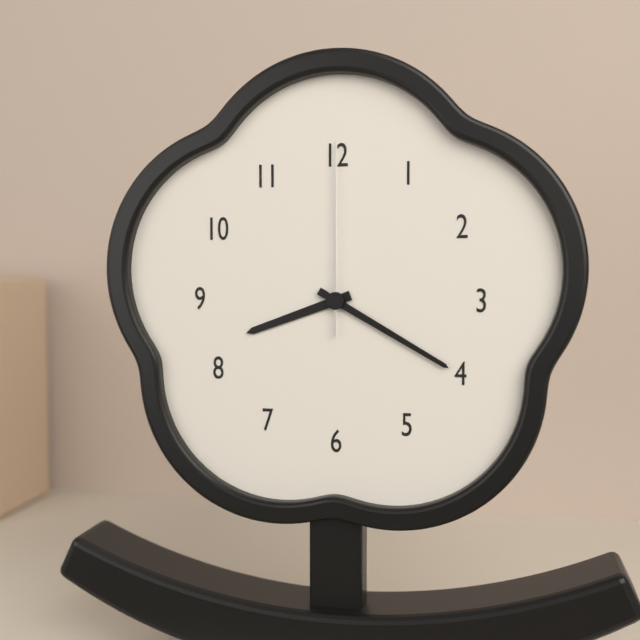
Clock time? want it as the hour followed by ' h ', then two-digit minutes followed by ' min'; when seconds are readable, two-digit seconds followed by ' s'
8 h 20 min 00 s
